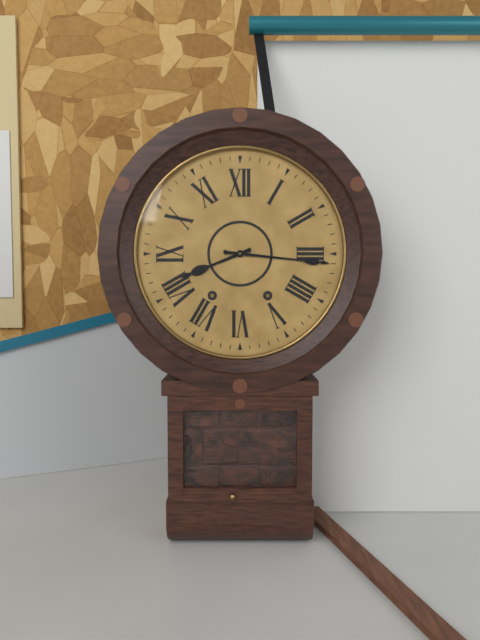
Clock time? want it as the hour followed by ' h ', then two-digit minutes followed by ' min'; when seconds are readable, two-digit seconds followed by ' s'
8 h 16 min
